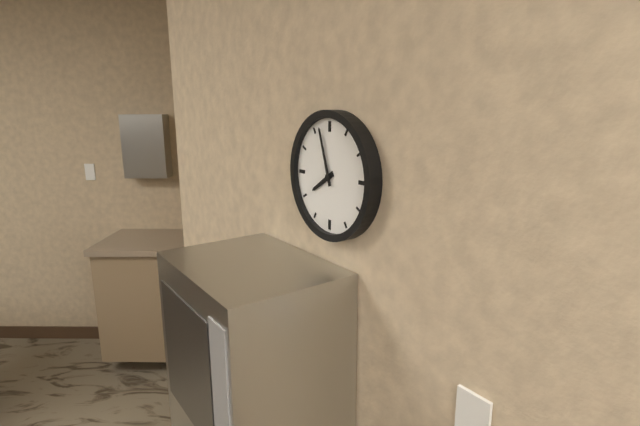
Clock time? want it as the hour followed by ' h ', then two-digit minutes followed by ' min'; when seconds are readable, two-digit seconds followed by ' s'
7 h 57 min
